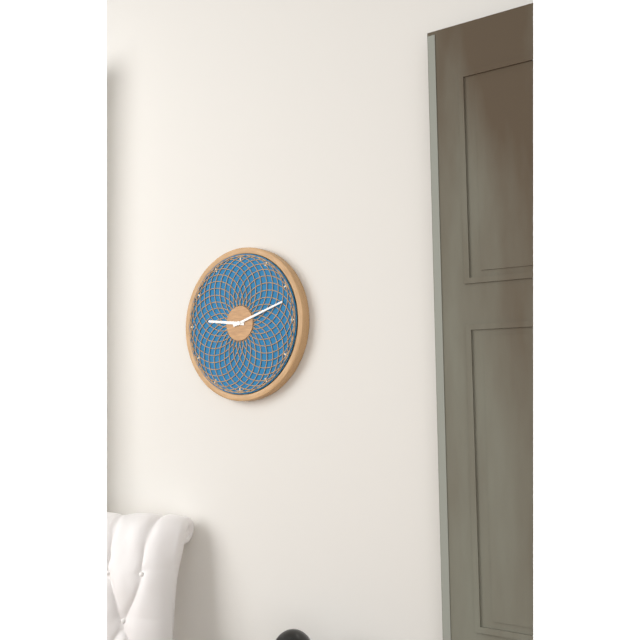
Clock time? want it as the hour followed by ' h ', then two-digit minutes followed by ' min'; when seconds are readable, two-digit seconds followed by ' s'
9 h 12 min
